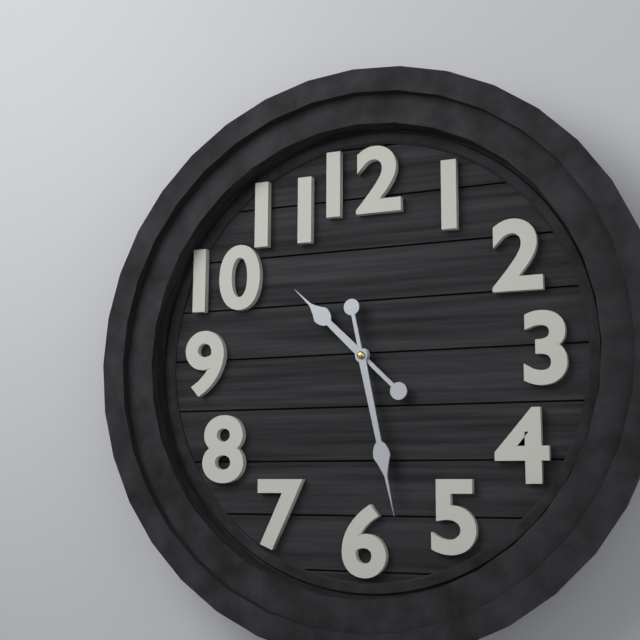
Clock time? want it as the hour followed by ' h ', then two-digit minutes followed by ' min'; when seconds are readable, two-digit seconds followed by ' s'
10 h 28 min
